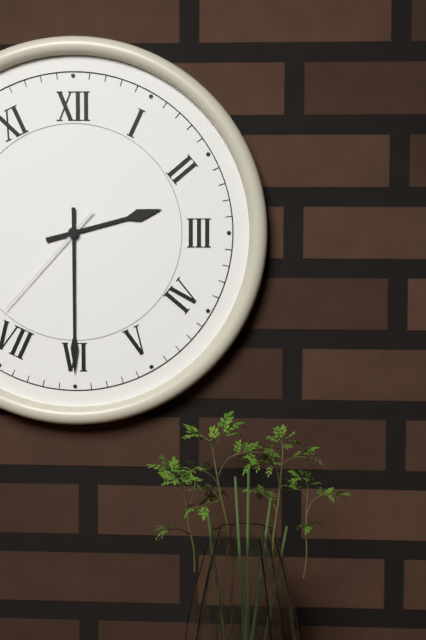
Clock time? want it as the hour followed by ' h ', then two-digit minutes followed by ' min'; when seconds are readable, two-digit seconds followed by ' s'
2 h 30 min 37 s
